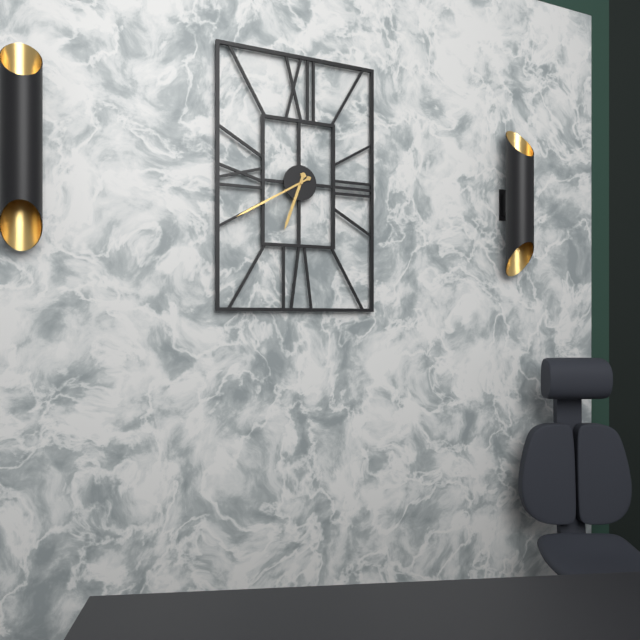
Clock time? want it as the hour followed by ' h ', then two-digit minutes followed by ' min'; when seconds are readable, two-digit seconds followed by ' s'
6 h 40 min
